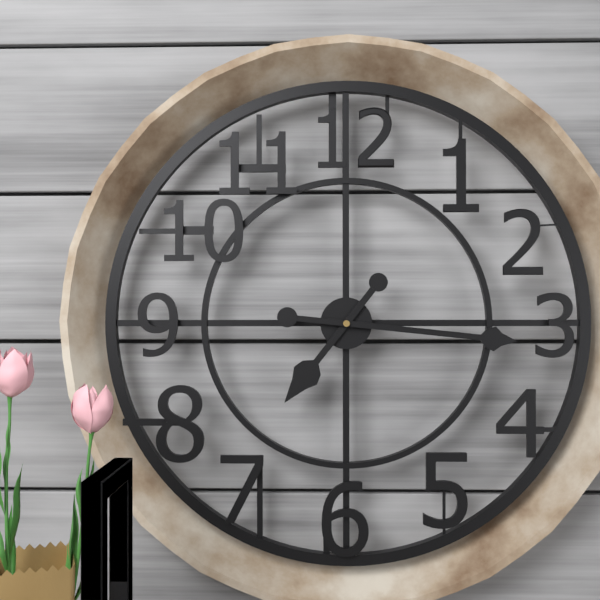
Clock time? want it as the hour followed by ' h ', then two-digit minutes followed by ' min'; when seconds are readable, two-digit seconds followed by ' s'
7 h 16 min
